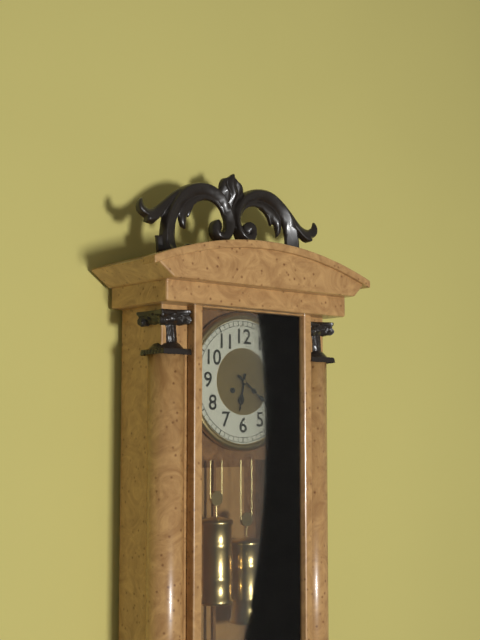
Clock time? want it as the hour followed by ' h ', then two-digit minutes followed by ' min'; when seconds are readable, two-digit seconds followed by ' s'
6 h 21 min
